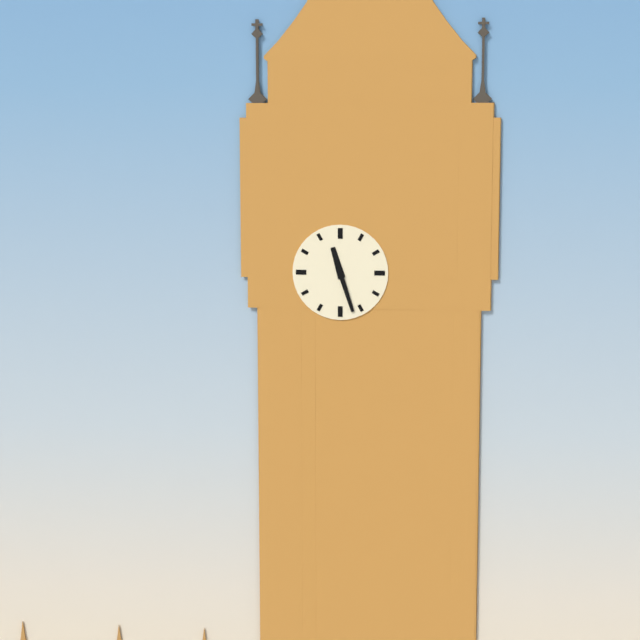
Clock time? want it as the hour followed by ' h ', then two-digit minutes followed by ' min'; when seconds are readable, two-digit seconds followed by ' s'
11 h 27 min
